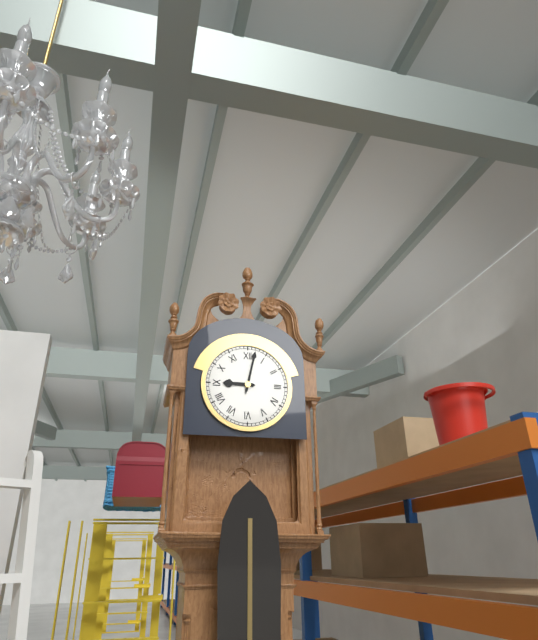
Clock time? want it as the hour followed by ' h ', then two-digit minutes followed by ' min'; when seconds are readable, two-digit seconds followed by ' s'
9 h 02 min
